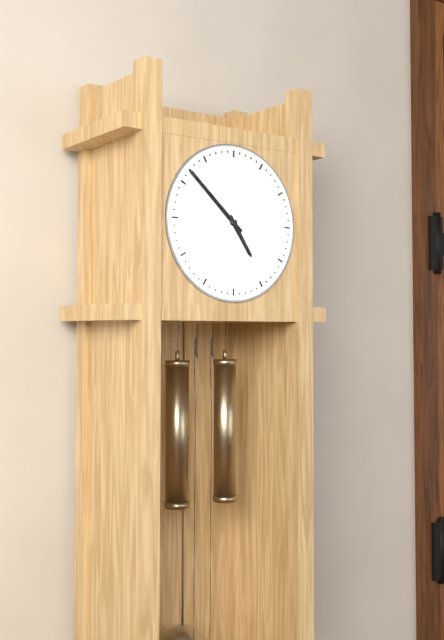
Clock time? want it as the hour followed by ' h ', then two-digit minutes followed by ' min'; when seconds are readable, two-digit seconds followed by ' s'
4 h 52 min
